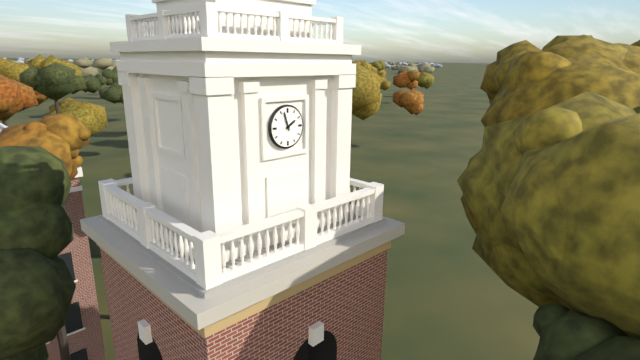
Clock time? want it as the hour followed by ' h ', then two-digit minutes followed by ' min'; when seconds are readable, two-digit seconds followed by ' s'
1 h 57 min
